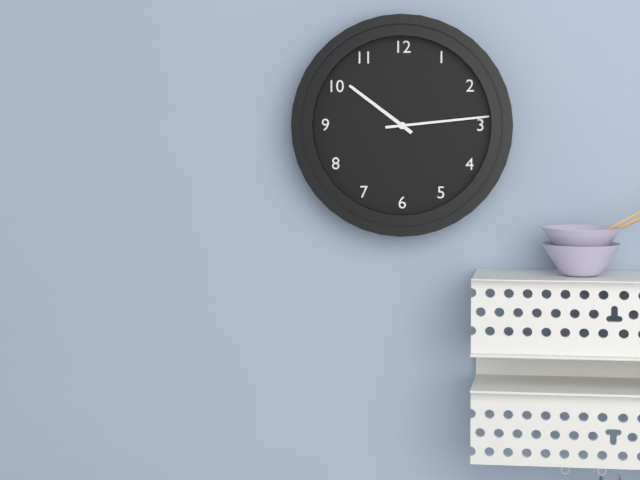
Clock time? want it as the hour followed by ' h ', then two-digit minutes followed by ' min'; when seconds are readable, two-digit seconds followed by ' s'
10 h 14 min
